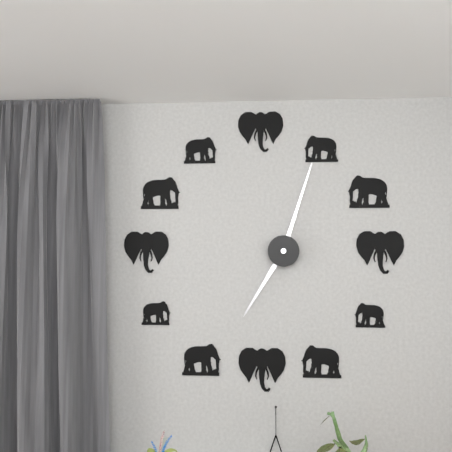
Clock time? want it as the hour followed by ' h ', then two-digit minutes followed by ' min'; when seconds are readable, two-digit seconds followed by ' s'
7 h 03 min
